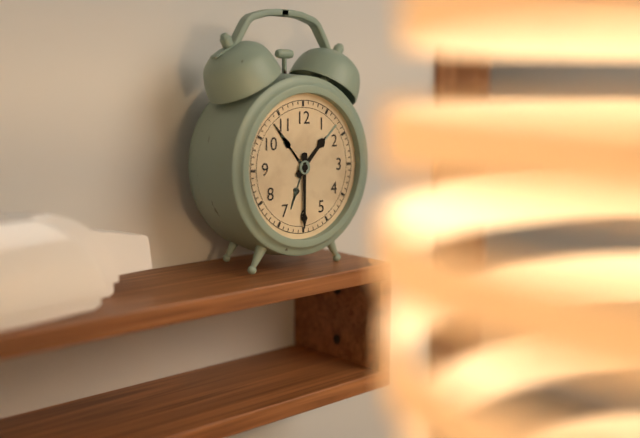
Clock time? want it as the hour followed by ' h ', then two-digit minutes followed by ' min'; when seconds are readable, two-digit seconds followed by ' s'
1 h 30 min
